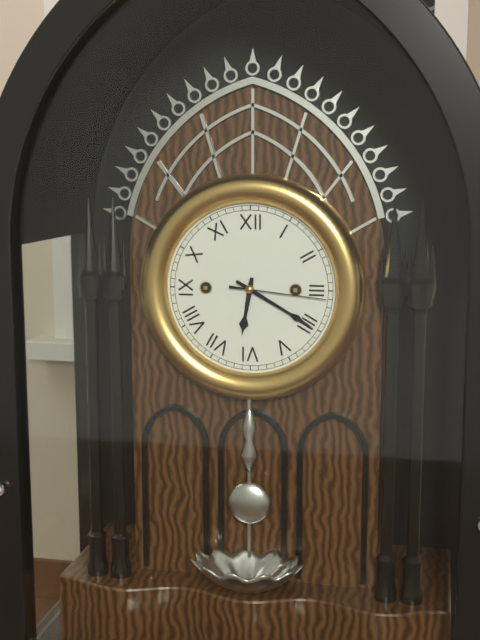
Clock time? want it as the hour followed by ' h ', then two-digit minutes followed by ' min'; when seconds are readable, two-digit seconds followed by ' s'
6 h 20 min 16 s
